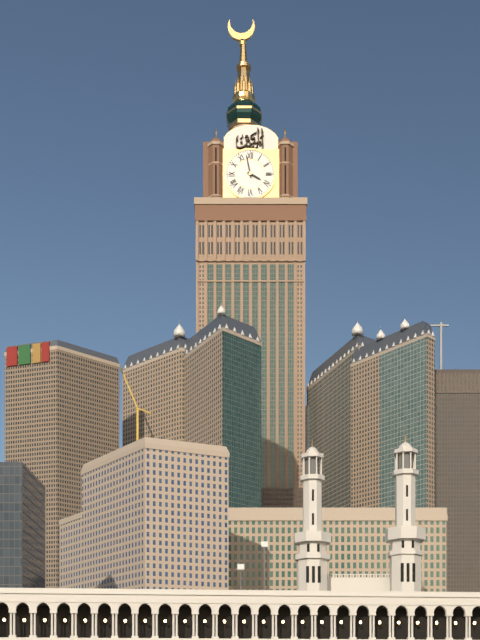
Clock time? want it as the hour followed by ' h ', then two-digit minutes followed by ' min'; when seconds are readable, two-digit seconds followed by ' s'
3 h 58 min
